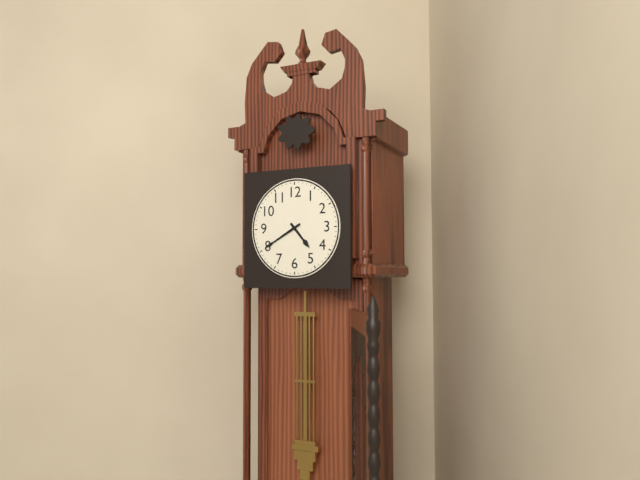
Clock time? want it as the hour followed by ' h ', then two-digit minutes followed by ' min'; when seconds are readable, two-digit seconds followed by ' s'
4 h 40 min
